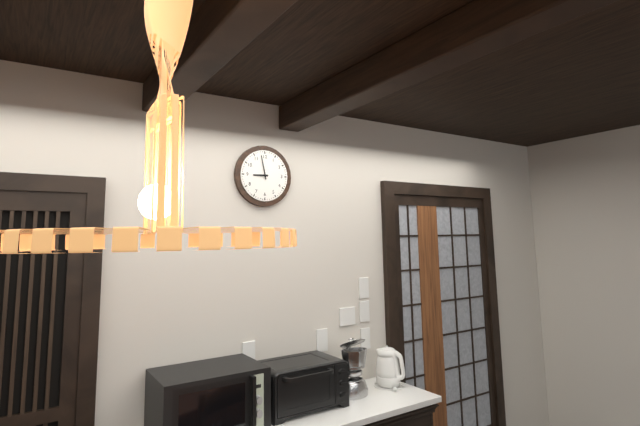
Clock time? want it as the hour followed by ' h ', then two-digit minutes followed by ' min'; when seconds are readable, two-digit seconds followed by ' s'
8 h 58 min
